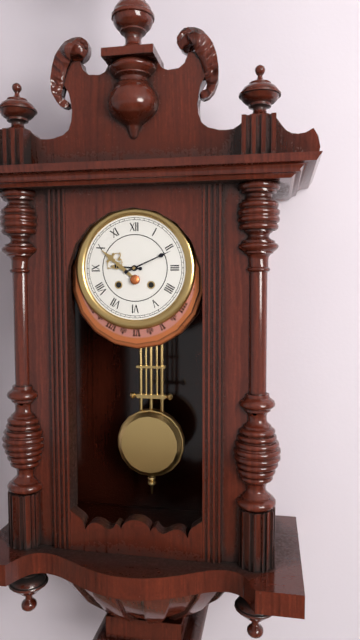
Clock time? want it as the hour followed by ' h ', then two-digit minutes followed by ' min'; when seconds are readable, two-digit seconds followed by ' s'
9 h 11 min
